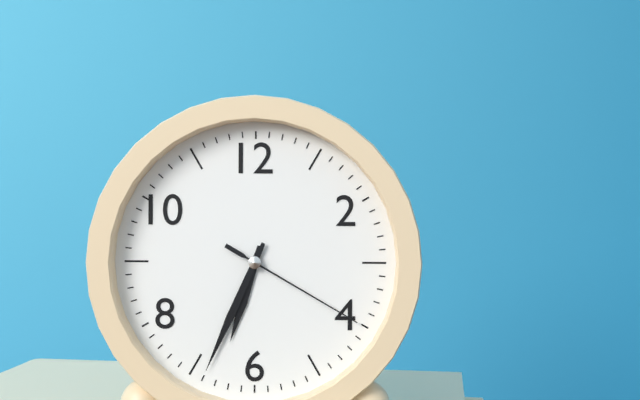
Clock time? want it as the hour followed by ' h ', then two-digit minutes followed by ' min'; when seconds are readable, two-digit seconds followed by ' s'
6 h 34 min 20 s
